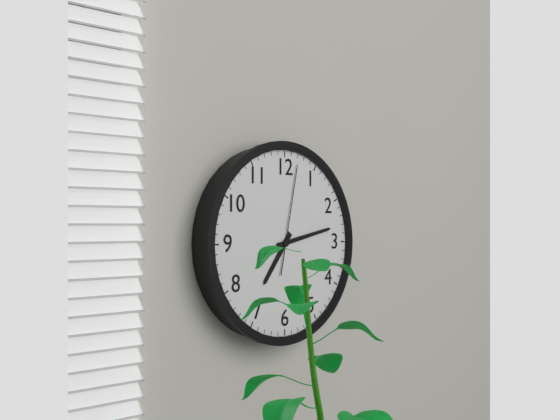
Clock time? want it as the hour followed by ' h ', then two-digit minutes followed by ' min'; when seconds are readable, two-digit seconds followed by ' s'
7 h 13 min 02 s
